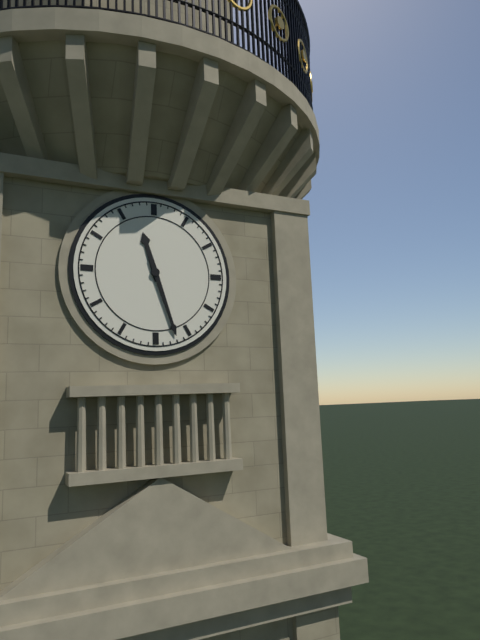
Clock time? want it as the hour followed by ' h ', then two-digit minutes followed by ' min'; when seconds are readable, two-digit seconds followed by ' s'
11 h 27 min
